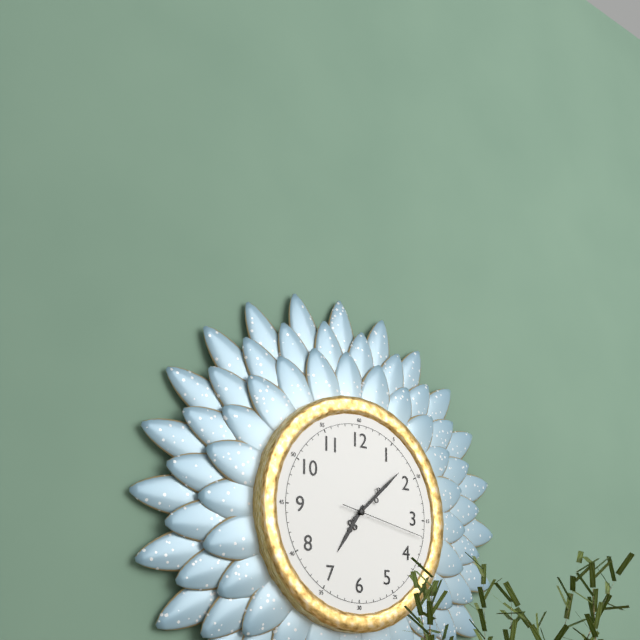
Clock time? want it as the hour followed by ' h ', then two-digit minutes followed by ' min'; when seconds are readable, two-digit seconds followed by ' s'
7 h 08 min 17 s
